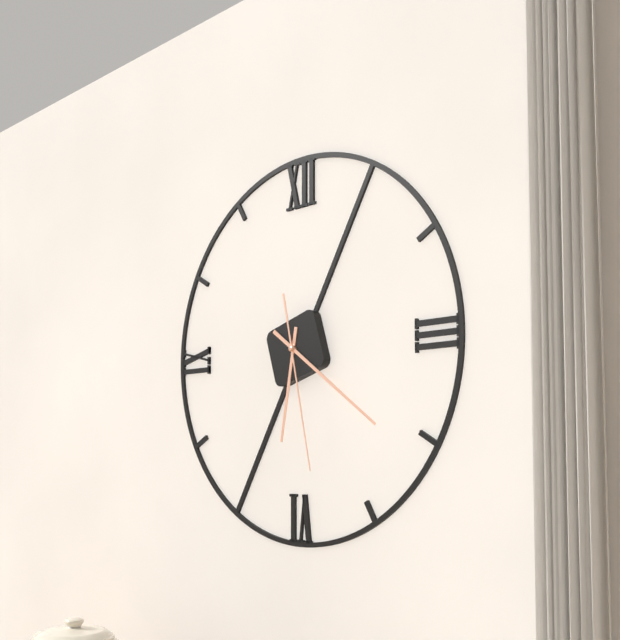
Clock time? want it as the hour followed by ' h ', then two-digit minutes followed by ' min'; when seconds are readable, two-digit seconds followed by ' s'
6 h 21 min 28 s
